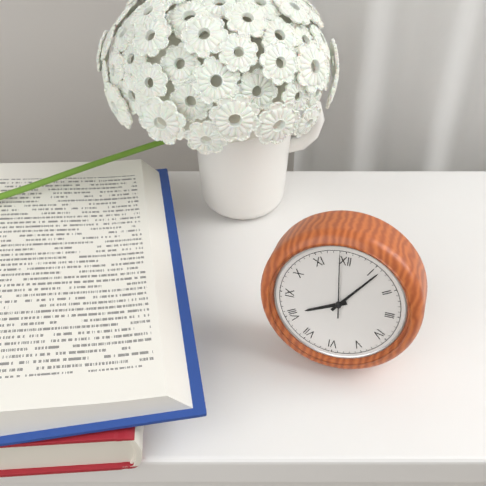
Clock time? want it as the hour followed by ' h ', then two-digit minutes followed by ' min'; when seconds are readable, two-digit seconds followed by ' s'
8 h 06 min 59 s
